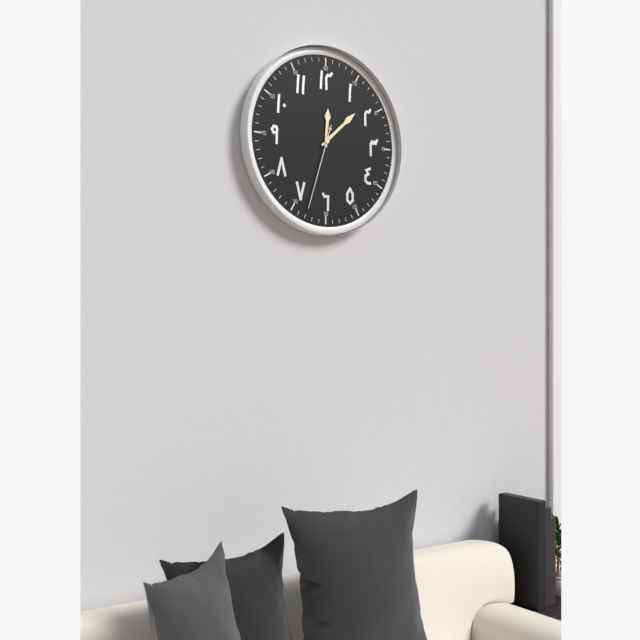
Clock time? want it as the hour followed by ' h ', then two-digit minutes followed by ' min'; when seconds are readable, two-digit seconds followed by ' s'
12 h 08 min 33 s
